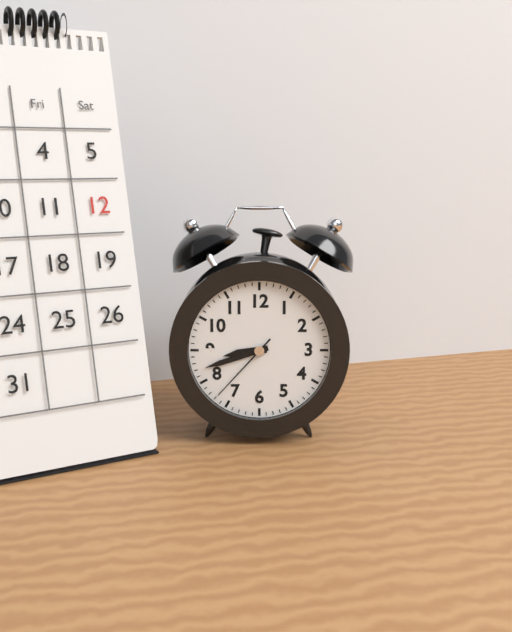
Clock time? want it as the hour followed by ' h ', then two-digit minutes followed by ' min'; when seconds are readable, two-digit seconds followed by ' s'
8 h 42 min 37 s
